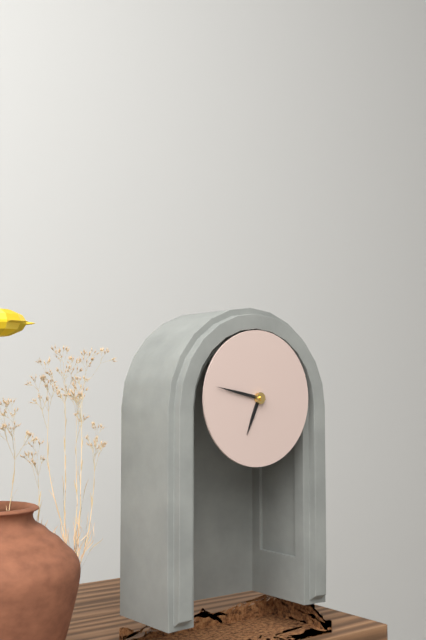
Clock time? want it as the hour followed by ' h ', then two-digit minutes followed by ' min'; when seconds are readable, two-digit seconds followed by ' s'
6 h 47 min
